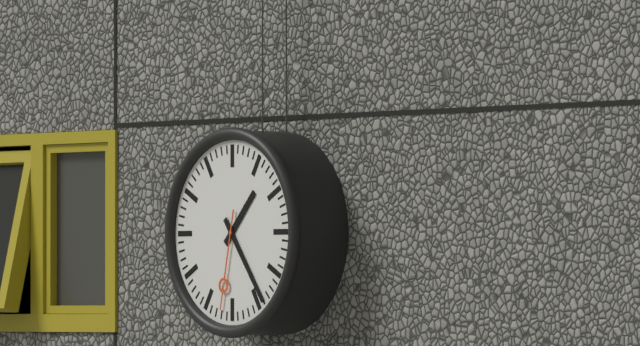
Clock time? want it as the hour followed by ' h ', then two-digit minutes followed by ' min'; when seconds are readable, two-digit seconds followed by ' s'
1 h 24 min 32 s
